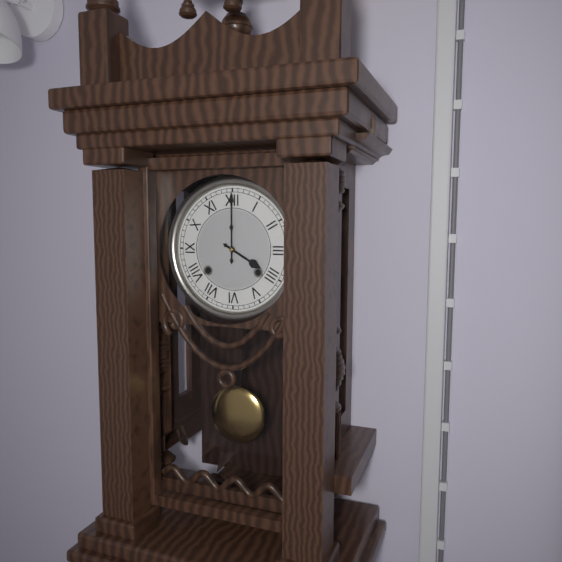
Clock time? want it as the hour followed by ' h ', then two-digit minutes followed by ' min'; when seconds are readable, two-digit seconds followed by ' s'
4 h 00 min
